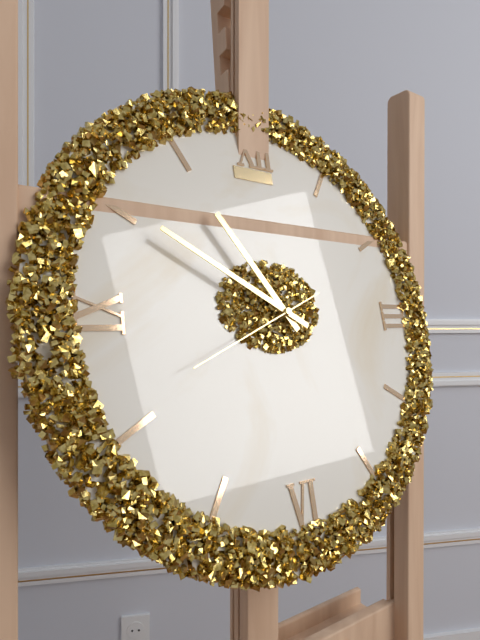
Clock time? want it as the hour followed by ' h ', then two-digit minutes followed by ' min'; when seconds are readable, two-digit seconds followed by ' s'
10 h 50 min 41 s
